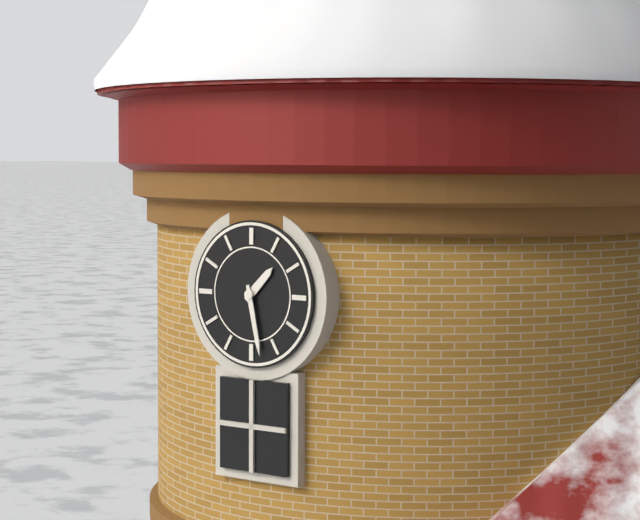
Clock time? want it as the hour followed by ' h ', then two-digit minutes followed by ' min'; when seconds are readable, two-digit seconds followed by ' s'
1 h 28 min
